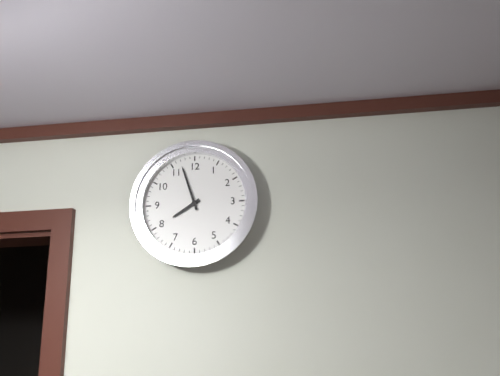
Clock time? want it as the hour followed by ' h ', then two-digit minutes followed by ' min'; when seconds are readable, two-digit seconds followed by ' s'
7 h 57 min
